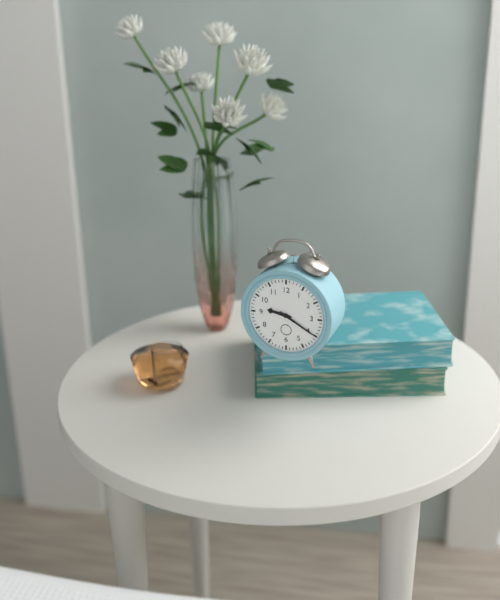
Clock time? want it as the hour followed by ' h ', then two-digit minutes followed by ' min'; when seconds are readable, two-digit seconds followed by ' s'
9 h 20 min
